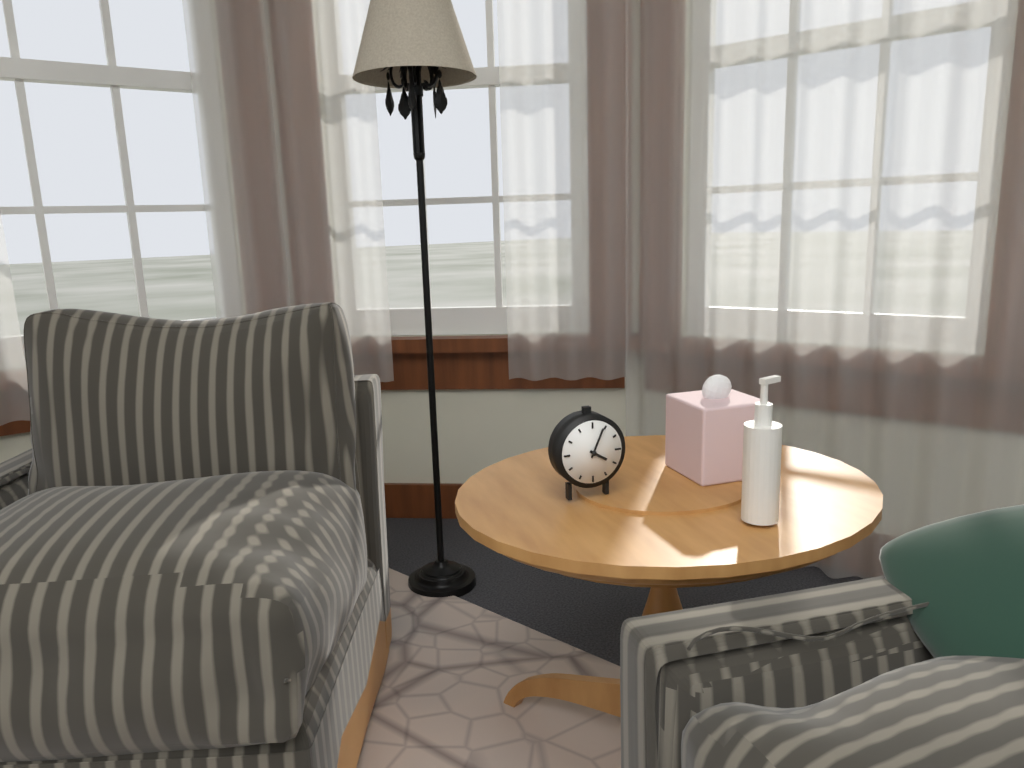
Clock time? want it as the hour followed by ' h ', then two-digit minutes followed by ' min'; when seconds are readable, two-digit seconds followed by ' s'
4 h 04 min
